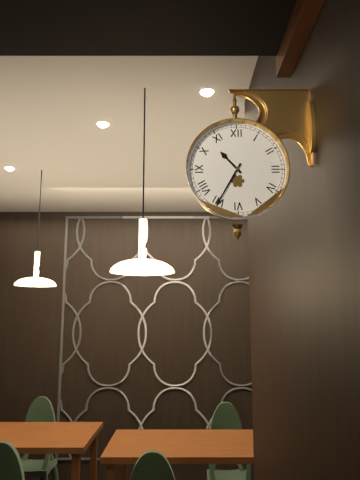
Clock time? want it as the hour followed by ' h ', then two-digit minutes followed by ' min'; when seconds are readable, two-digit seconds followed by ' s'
10 h 35 min
